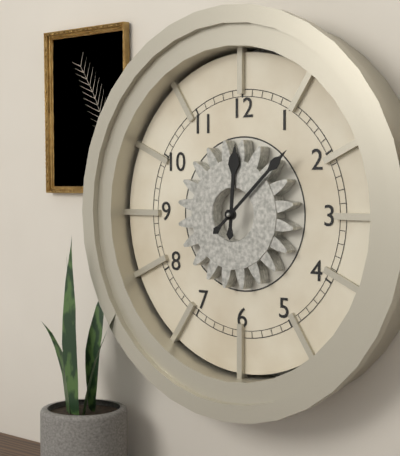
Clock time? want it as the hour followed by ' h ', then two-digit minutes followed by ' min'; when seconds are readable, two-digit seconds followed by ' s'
12 h 08 min
